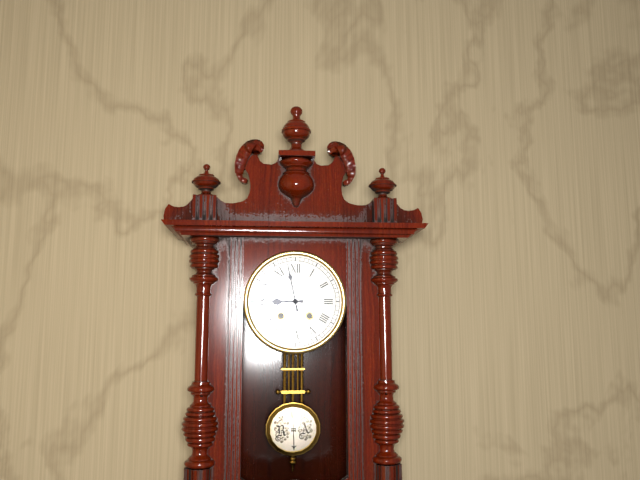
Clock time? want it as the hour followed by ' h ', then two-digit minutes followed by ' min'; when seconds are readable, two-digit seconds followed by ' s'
8 h 58 min
